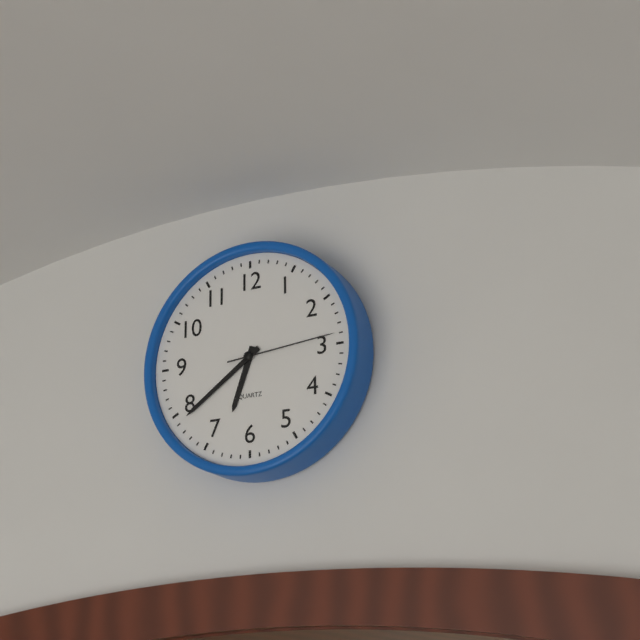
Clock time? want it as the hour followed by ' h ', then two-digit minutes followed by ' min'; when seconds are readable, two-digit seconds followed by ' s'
6 h 39 min 14 s
